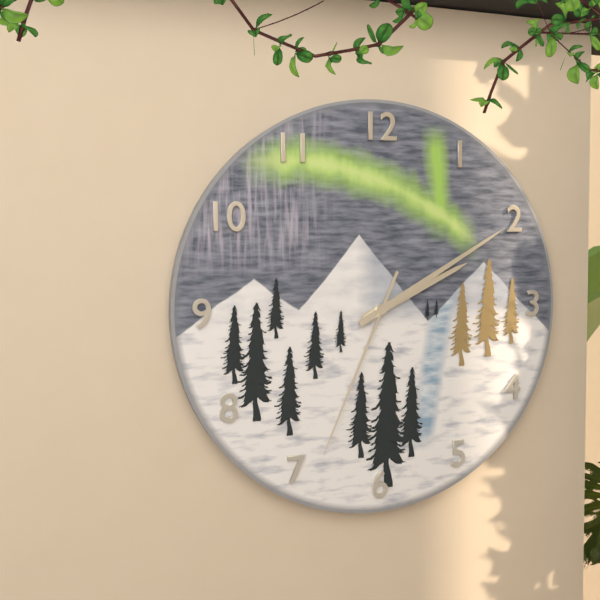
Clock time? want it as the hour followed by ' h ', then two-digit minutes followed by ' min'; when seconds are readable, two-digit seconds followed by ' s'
2 h 10 min 34 s
